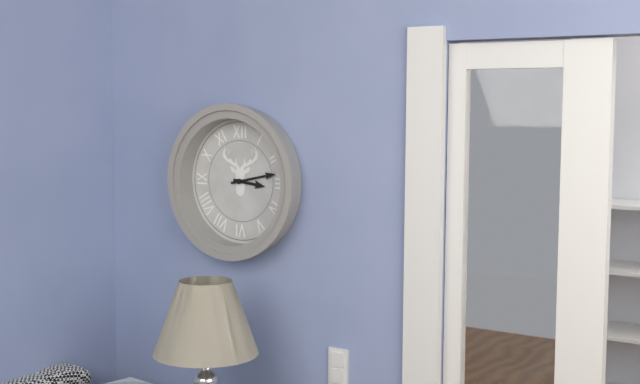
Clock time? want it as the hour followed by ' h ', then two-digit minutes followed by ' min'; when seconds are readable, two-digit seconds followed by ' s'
3 h 13 min
